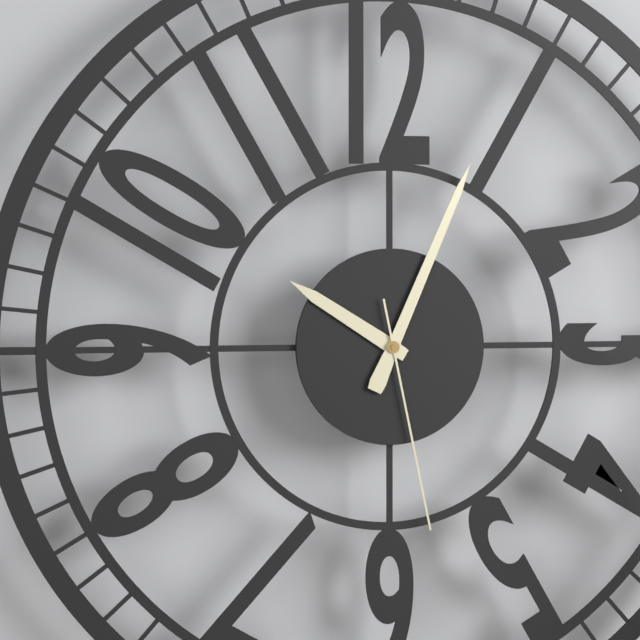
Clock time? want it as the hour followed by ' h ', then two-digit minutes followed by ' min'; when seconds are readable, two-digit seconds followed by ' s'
10 h 04 min 28 s
